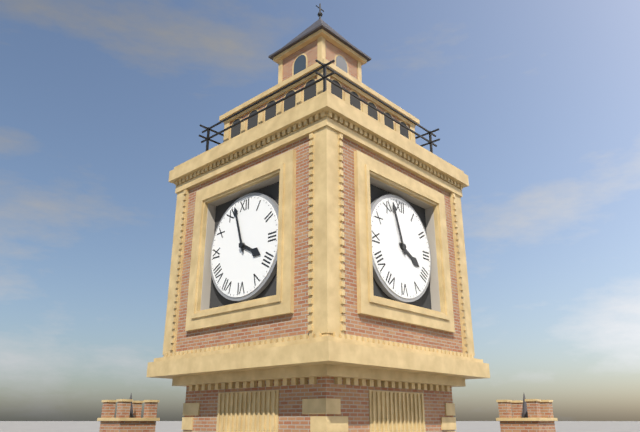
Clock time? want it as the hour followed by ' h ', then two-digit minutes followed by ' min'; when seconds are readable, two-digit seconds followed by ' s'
3 h 57 min
